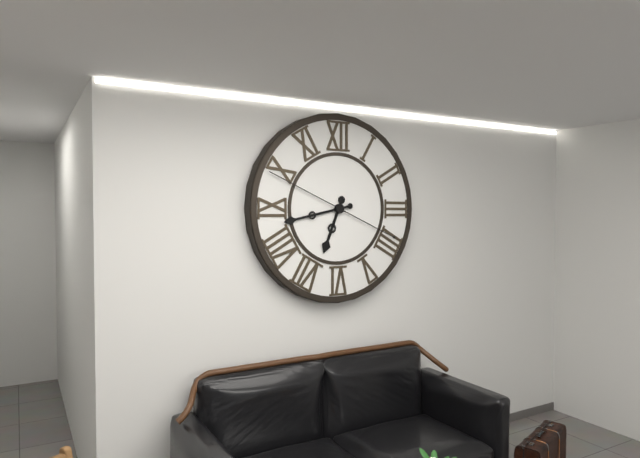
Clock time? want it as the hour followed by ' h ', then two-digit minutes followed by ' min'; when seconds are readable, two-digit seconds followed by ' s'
6 h 43 min 49 s
